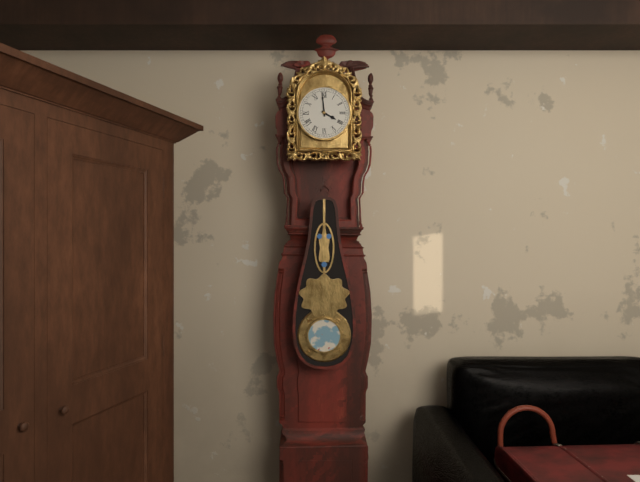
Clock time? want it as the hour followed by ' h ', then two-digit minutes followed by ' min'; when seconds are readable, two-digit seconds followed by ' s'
3 h 59 min
